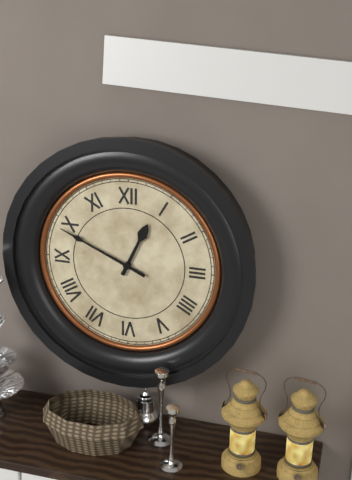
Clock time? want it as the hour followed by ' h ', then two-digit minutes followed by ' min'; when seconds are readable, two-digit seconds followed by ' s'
12 h 49 min
